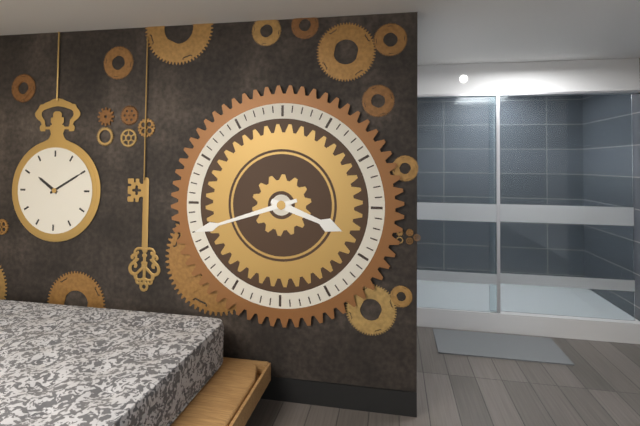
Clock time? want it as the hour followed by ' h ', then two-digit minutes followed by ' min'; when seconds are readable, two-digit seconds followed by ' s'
3 h 42 min
